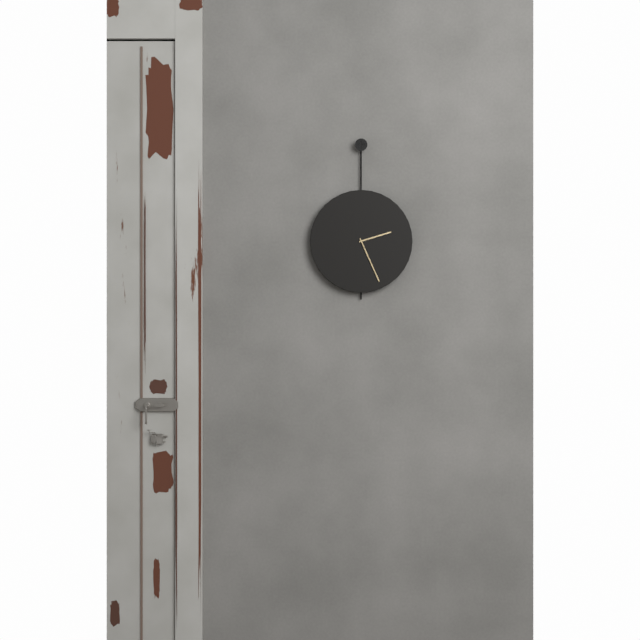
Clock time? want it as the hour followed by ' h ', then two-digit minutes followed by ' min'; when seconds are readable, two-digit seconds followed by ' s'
2 h 26 min
